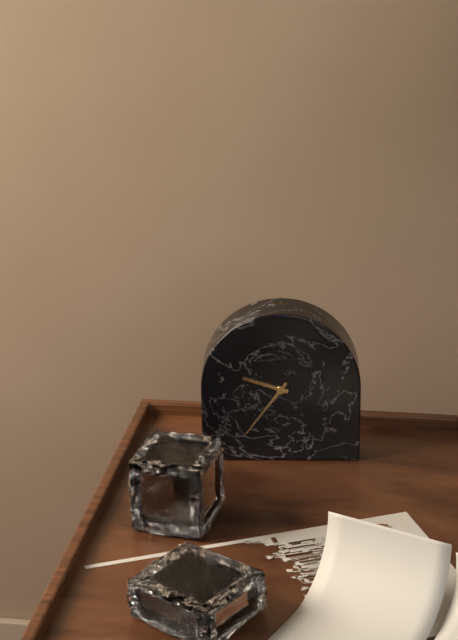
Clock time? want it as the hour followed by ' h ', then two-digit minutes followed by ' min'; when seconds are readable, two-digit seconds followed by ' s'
9 h 36 min
